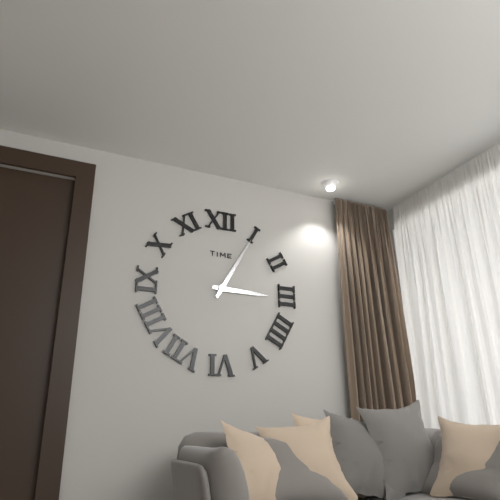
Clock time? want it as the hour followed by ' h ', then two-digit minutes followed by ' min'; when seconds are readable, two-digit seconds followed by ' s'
3 h 05 min
